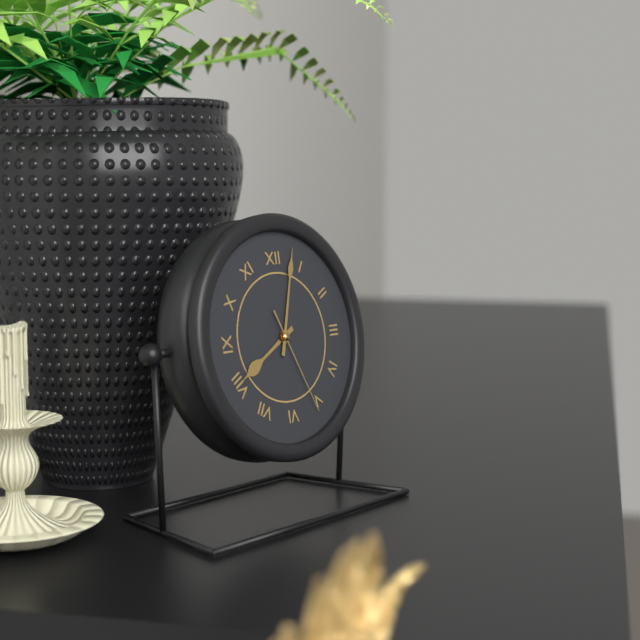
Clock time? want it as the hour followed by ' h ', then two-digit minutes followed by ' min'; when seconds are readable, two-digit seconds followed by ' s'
8 h 03 min 26 s
